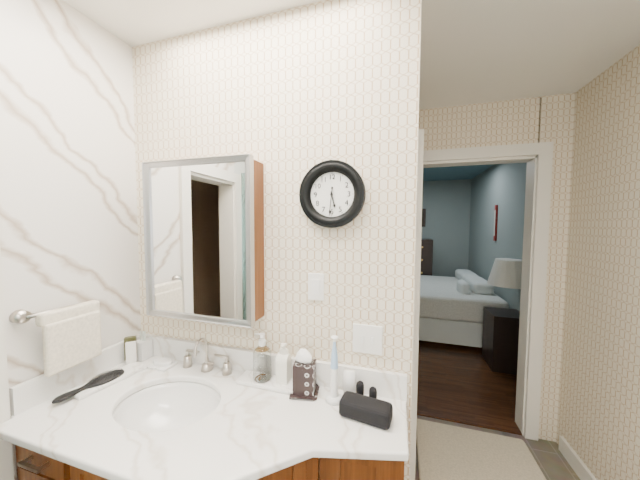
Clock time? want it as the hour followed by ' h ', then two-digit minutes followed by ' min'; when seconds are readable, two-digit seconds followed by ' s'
5 h 31 min
